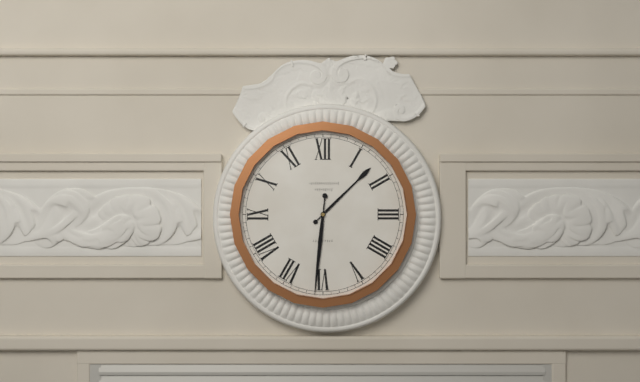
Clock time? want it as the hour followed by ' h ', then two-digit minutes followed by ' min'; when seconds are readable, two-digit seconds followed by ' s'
1 h 31 min
